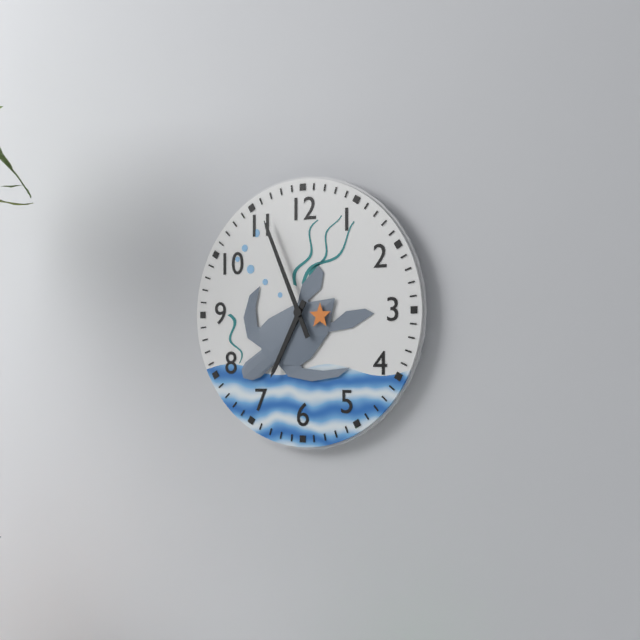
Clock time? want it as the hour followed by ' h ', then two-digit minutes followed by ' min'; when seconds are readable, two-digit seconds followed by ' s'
6 h 56 min
